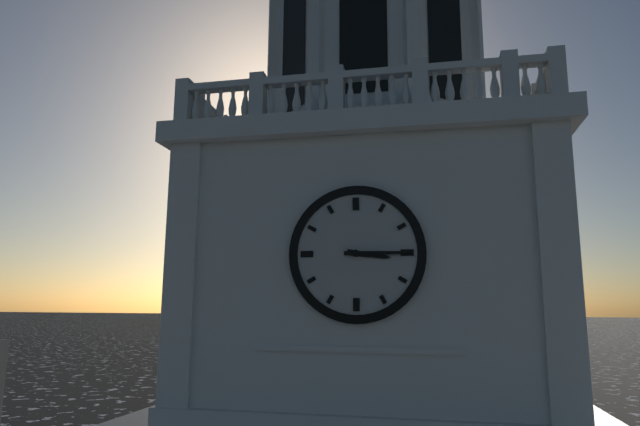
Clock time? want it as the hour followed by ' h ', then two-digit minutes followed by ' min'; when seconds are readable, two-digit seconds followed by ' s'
3 h 15 min
